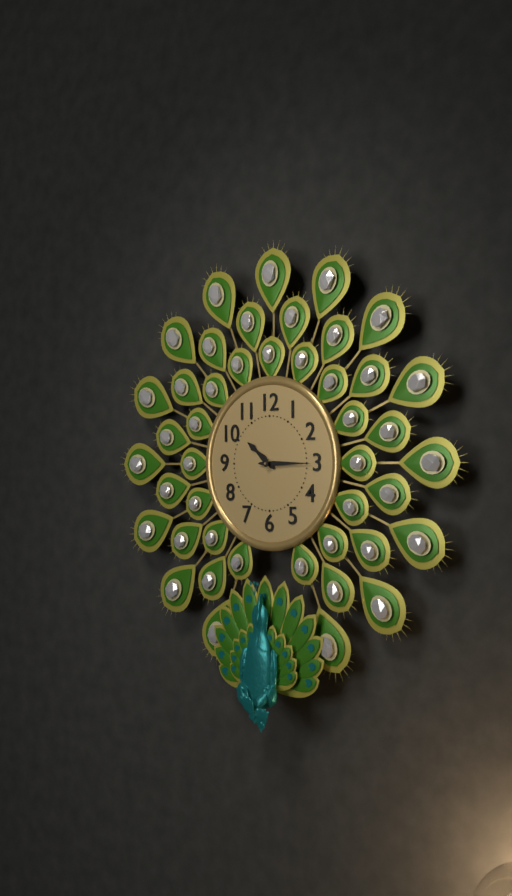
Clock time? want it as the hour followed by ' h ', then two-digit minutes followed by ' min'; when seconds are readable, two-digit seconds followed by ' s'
10 h 15 min
